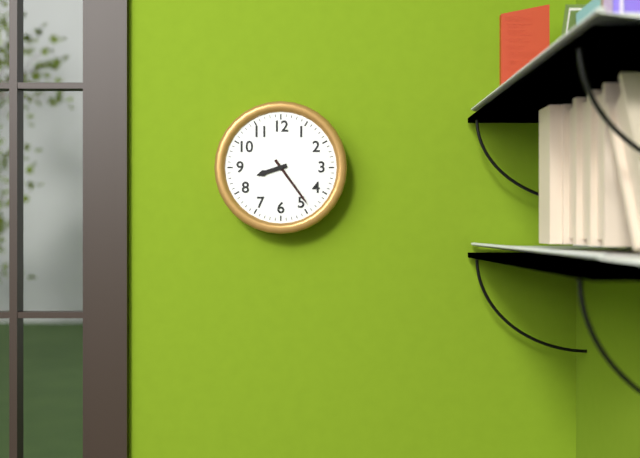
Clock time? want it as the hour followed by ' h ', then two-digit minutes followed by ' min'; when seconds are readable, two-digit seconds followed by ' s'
8 h 24 min
